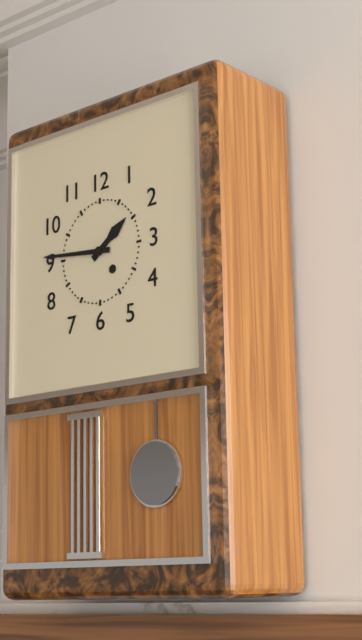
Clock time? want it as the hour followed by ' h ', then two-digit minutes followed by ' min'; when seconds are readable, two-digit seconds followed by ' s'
1 h 46 min
